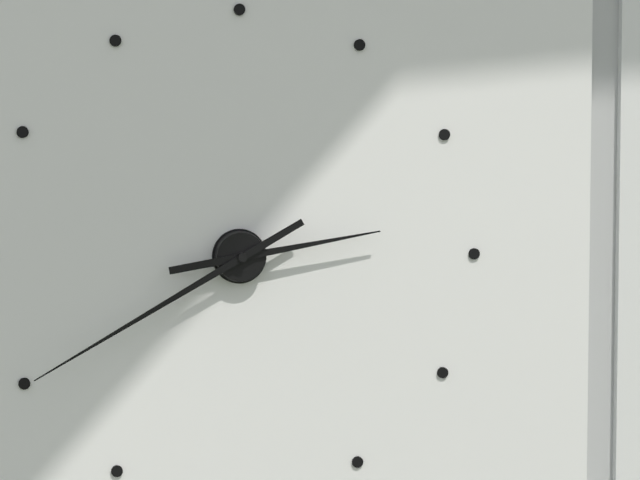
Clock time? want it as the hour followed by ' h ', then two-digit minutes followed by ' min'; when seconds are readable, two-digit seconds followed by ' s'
2 h 40 min
